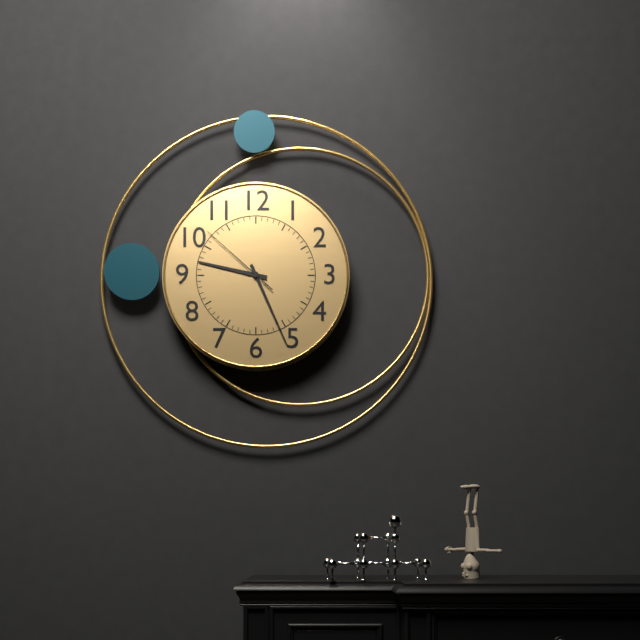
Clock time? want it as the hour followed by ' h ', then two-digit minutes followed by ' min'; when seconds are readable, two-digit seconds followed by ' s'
9 h 26 min 52 s
